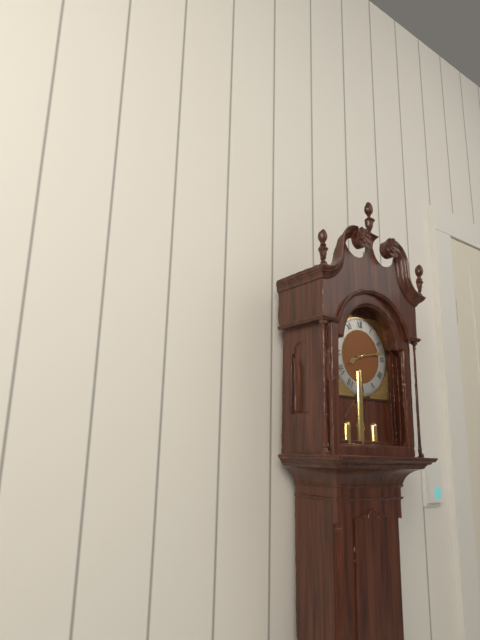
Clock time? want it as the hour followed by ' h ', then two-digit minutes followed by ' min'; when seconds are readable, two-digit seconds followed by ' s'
8 h 13 min
